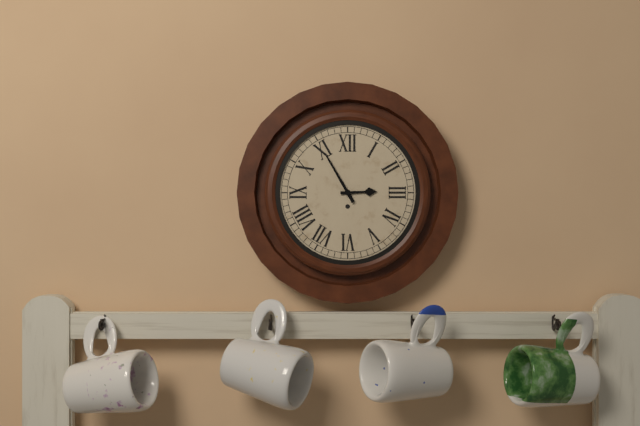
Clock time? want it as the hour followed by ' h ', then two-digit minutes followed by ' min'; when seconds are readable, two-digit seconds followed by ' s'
2 h 55 min
